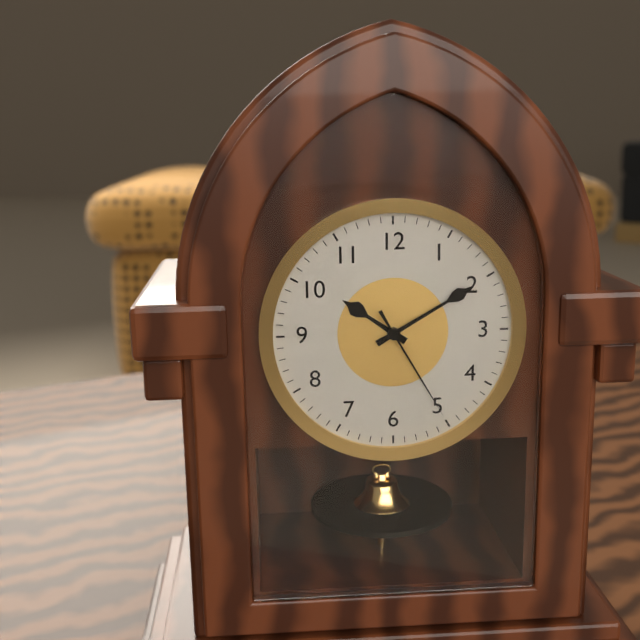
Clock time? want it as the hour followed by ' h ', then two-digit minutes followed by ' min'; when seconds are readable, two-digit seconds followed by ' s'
10 h 10 min 25 s
